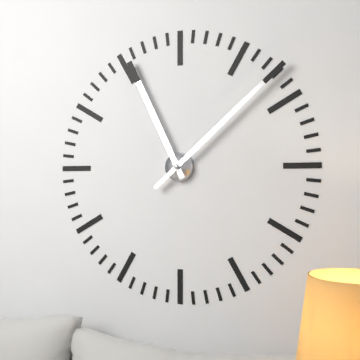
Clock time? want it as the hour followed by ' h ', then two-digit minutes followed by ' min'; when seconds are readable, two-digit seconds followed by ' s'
11 h 08 min
